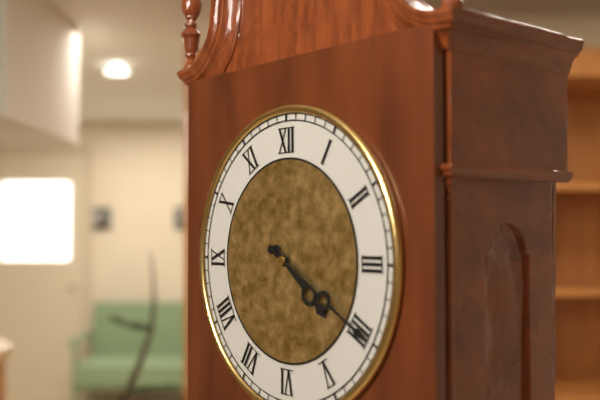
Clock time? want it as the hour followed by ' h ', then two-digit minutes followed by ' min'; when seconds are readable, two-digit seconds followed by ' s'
4 h 20 min
